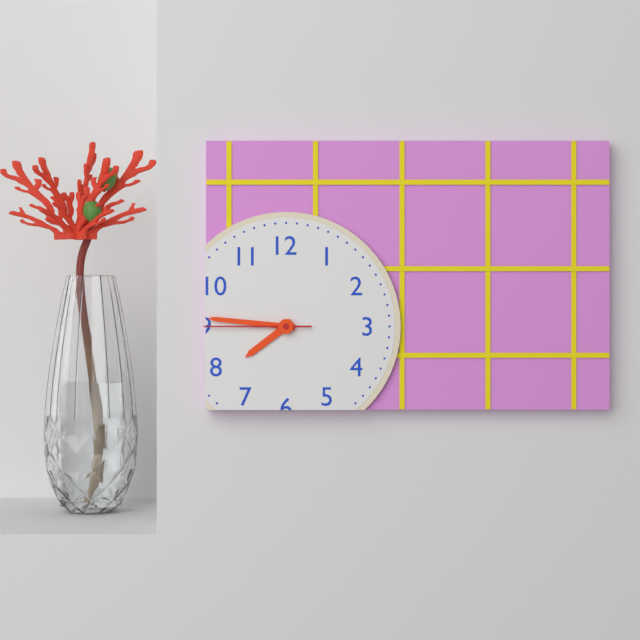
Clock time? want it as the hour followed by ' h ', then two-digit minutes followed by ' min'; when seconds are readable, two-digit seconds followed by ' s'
7 h 46 min 45 s
